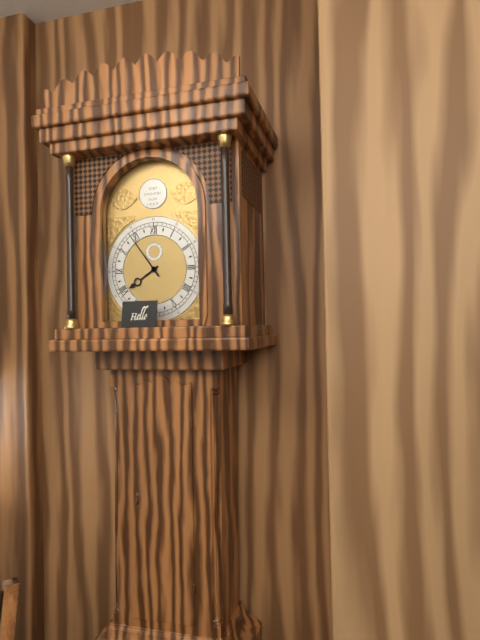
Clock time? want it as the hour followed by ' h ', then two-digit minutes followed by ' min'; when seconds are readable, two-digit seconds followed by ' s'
7 h 54 min
